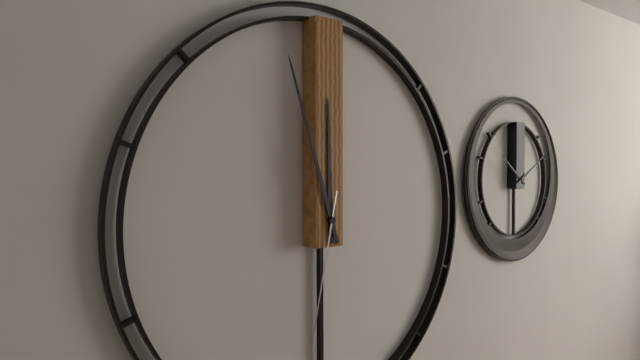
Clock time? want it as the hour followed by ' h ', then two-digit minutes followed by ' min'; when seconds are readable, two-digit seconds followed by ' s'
11 h 57 min 32 s
